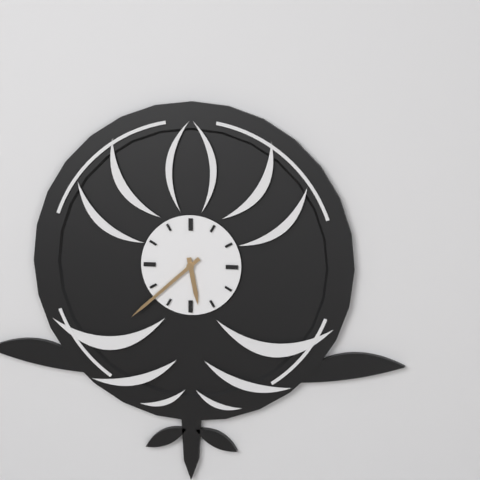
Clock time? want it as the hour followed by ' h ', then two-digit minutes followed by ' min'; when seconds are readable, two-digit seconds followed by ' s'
5 h 38 min
